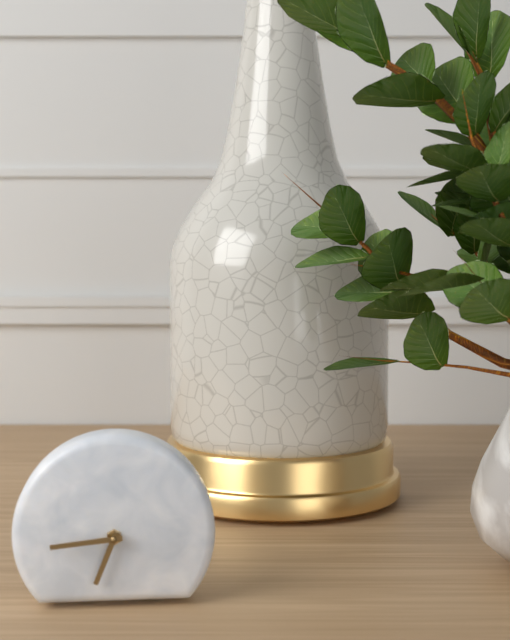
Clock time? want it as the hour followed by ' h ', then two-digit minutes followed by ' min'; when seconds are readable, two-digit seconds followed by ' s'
6 h 44 min
